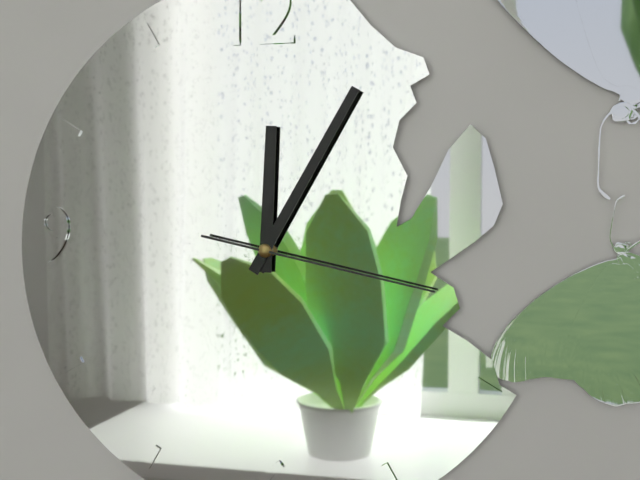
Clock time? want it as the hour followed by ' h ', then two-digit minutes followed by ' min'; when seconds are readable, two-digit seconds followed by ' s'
12 h 05 min 17 s
